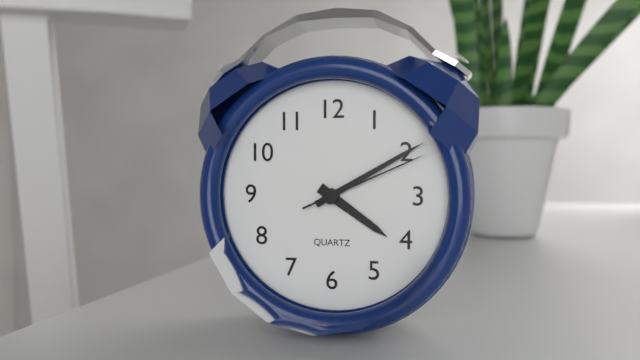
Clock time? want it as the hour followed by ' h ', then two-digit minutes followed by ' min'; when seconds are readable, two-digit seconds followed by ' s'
4 h 10 min 11 s
